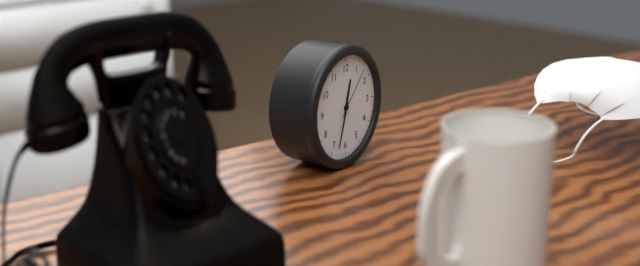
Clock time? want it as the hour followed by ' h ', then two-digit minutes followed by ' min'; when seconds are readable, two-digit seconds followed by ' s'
12 h 33 min 07 s
